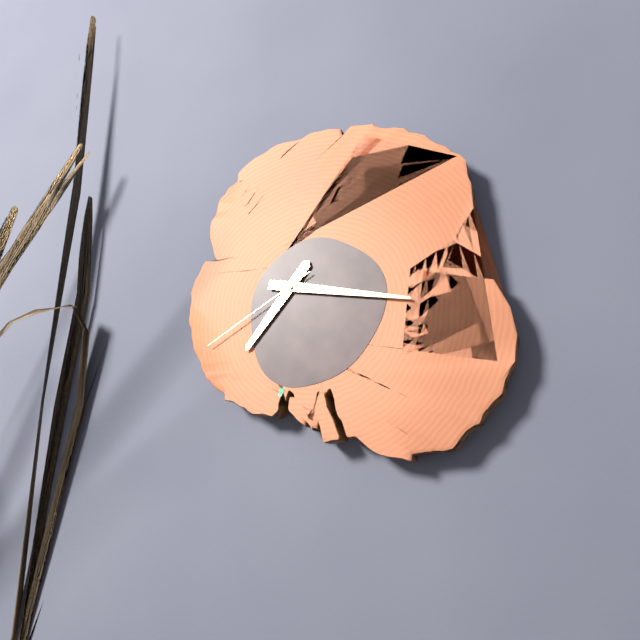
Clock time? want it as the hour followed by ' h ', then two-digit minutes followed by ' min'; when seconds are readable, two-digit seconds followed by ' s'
7 h 17 min 40 s
